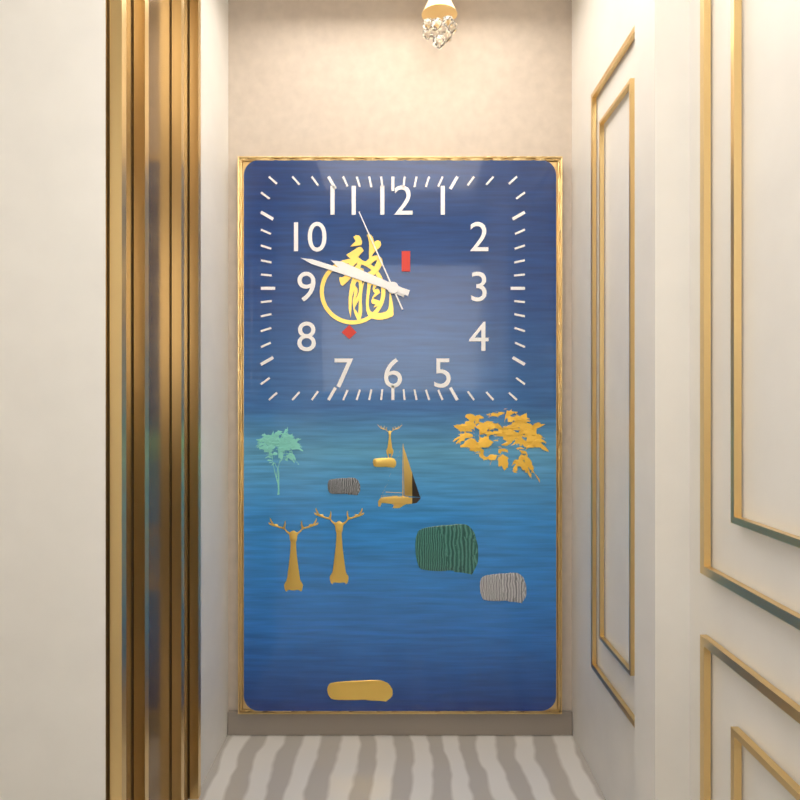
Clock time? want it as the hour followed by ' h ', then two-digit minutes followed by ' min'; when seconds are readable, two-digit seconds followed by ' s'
9 h 48 min 56 s
